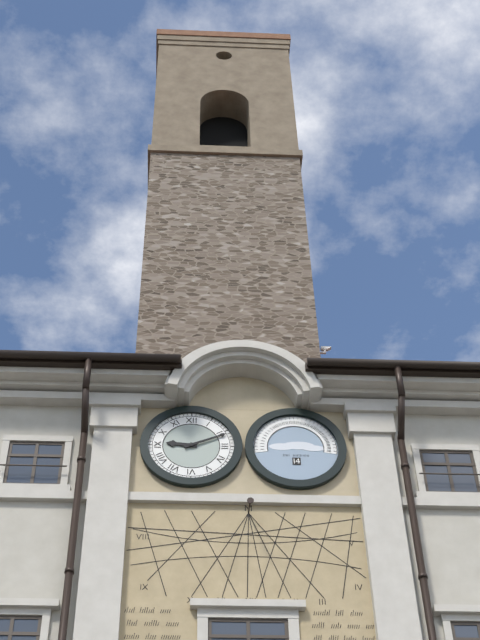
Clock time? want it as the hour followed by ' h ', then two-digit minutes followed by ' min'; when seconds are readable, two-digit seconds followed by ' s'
9 h 11 min
